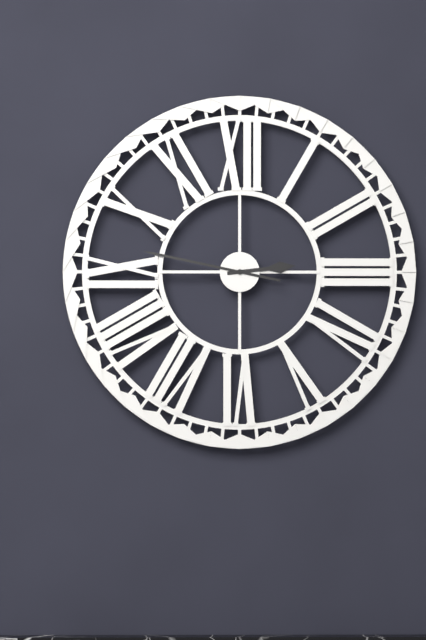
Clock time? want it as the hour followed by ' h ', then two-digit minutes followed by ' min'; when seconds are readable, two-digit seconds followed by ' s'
2 h 47 min
